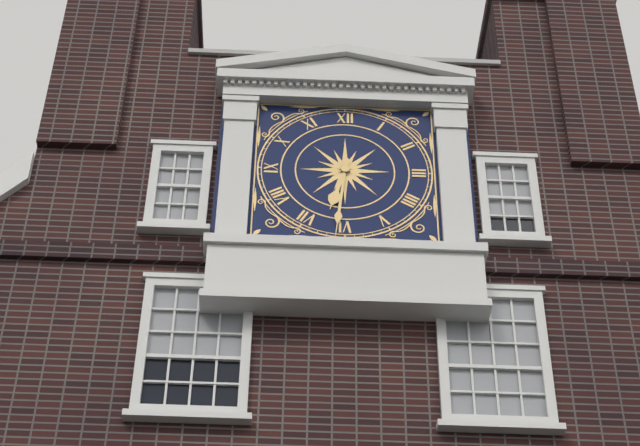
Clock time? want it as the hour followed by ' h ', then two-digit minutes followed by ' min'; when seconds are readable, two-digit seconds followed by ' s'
6 h 31 min
